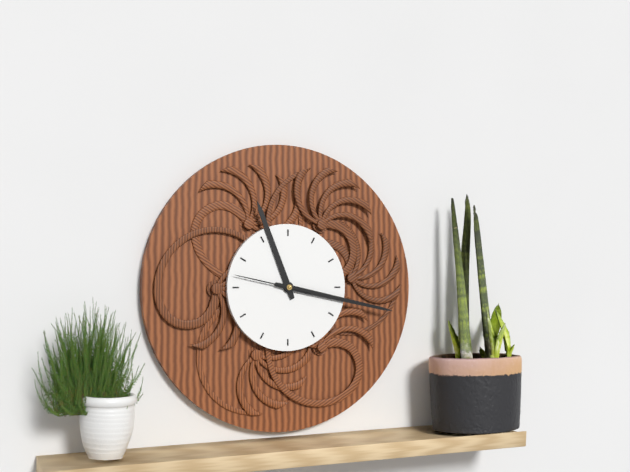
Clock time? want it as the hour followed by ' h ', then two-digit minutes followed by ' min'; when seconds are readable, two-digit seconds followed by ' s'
11 h 17 min 47 s
